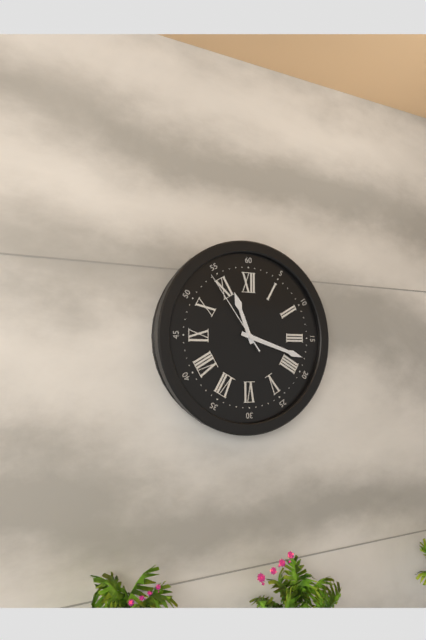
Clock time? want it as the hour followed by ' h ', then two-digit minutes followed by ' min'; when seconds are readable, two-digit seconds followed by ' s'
11 h 18 min 54 s
